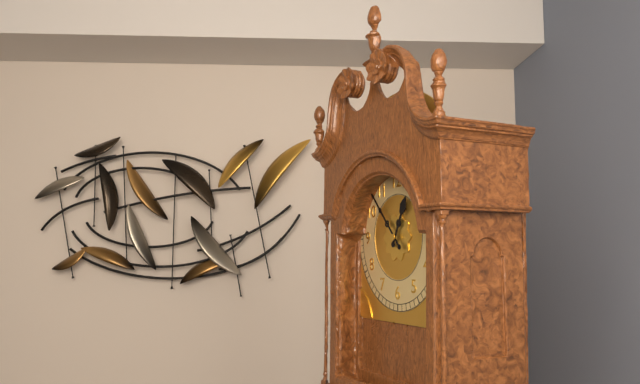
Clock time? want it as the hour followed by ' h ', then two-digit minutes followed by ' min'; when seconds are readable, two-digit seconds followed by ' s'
12 h 53 min
